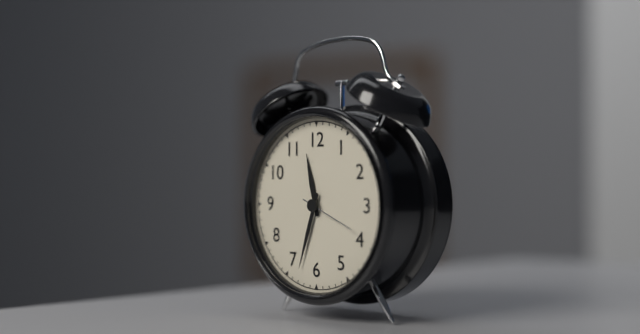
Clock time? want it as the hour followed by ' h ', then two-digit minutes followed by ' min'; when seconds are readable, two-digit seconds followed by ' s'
11 h 33 min 19 s
